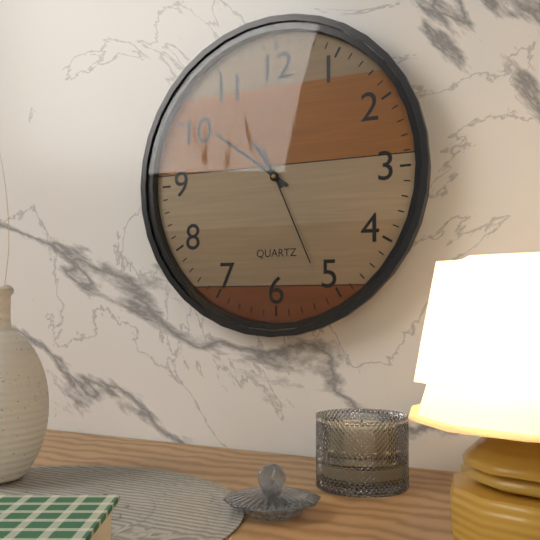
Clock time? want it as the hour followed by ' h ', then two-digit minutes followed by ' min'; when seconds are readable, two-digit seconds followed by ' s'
10 h 51 min 26 s
